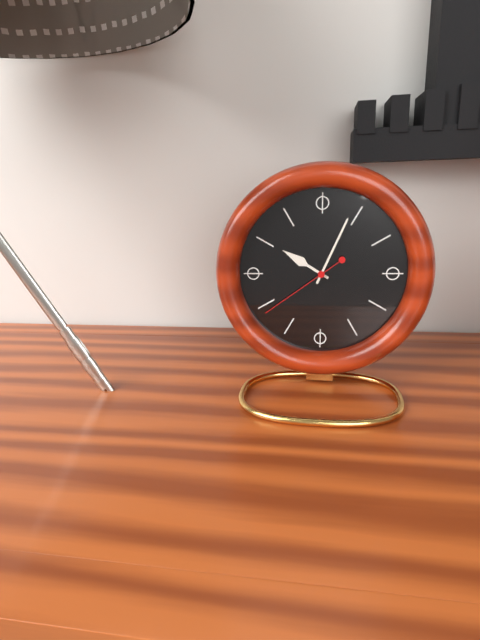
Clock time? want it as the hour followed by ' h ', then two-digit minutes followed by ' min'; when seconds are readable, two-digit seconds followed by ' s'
10 h 04 min 39 s
